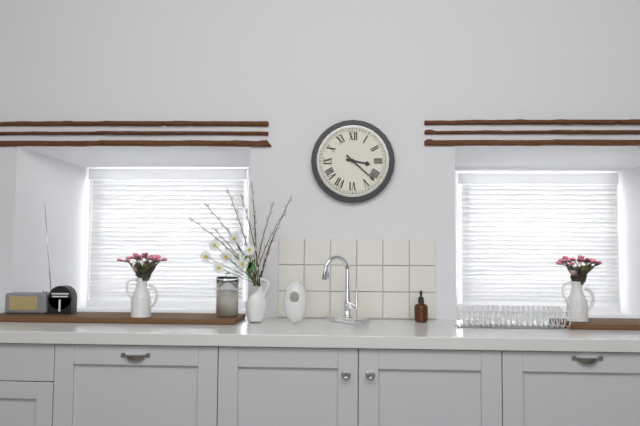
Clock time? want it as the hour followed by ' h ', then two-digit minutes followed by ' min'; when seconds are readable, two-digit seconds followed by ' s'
3 h 22 min
